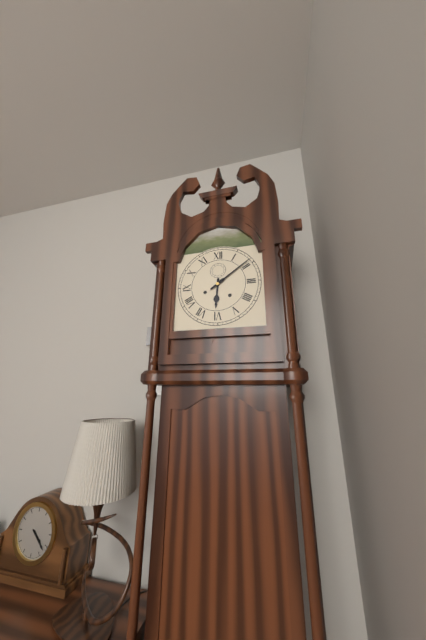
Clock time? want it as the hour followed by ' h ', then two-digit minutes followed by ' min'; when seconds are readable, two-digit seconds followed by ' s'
6 h 09 min
